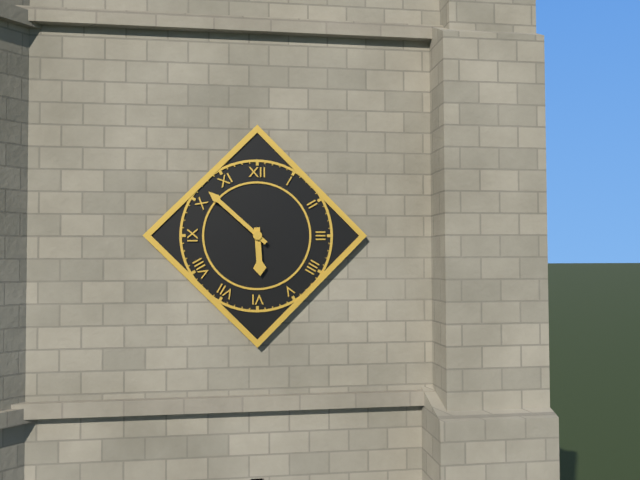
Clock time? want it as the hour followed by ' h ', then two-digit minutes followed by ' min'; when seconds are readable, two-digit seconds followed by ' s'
5 h 52 min
